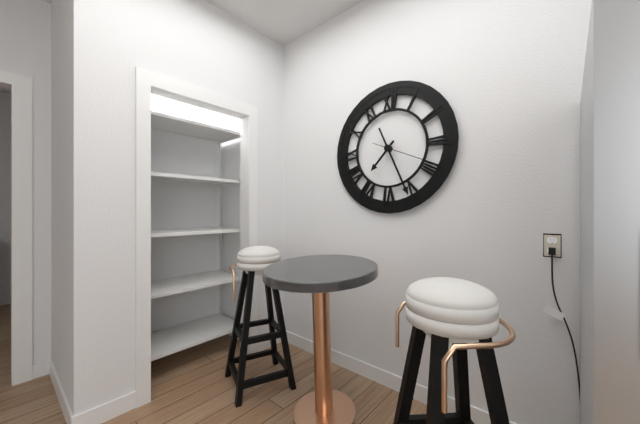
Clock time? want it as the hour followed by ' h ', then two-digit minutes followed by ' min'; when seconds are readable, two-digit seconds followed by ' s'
7 h 26 min 19 s
